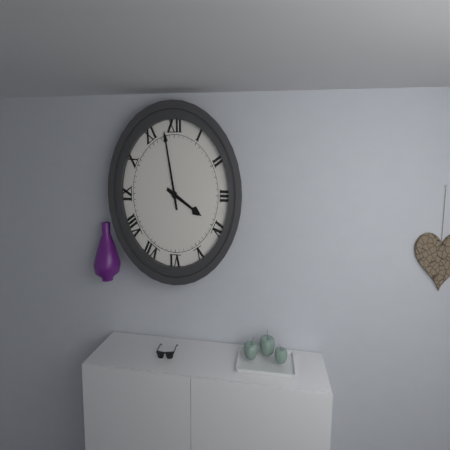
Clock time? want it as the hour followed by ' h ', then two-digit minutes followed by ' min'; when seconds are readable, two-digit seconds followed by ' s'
3 h 58 min
